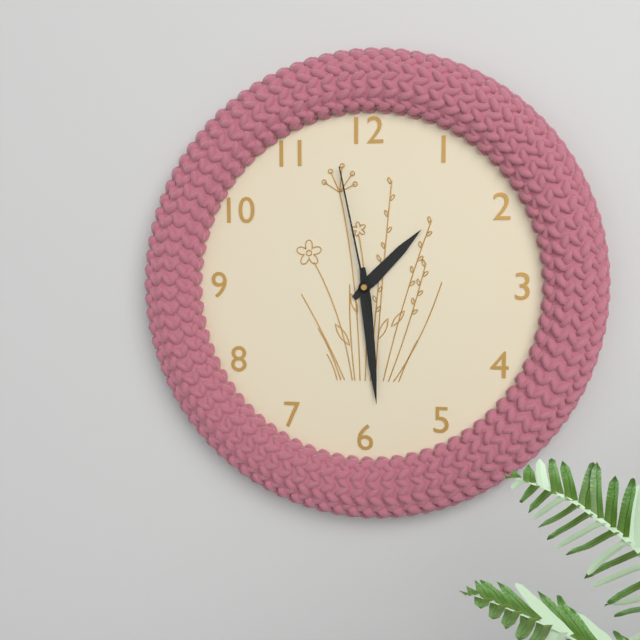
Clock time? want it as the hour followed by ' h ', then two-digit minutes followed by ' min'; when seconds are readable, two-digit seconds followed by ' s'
1 h 29 min 58 s
